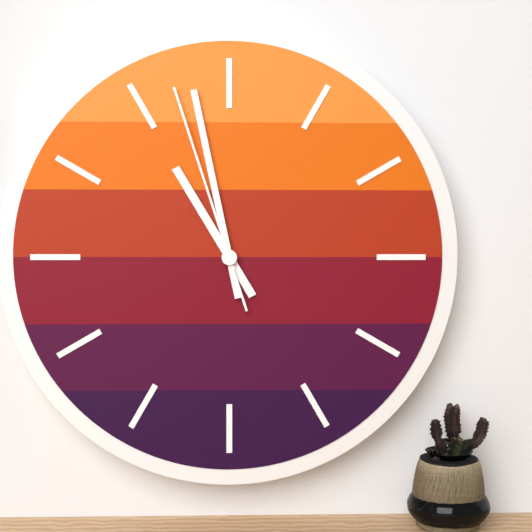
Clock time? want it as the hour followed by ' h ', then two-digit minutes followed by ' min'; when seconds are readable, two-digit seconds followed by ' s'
10 h 58 min 57 s
